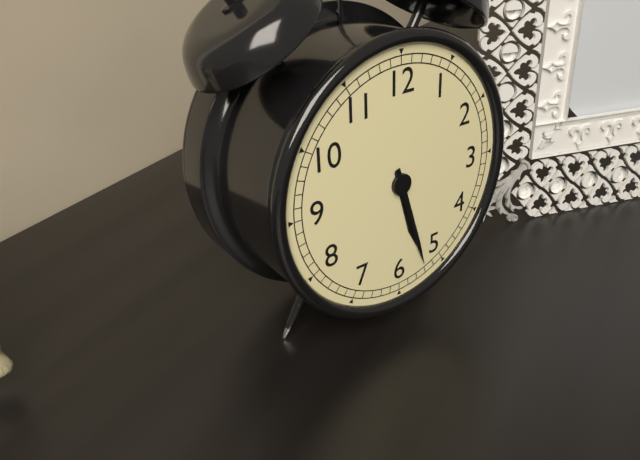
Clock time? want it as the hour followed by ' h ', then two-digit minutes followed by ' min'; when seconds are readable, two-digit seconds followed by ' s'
5 h 27 min
